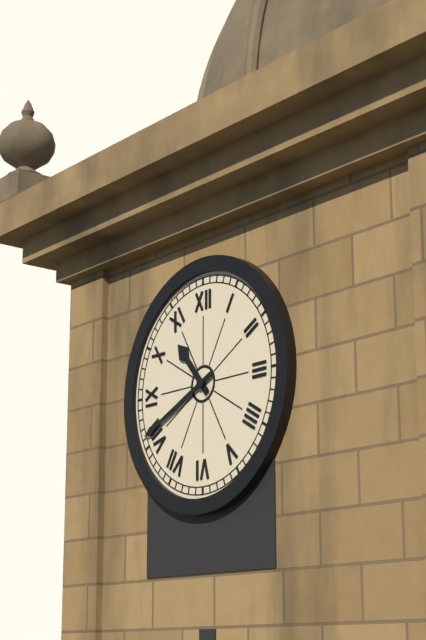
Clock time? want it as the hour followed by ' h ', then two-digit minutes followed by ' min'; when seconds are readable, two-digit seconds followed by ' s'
10 h 41 min
